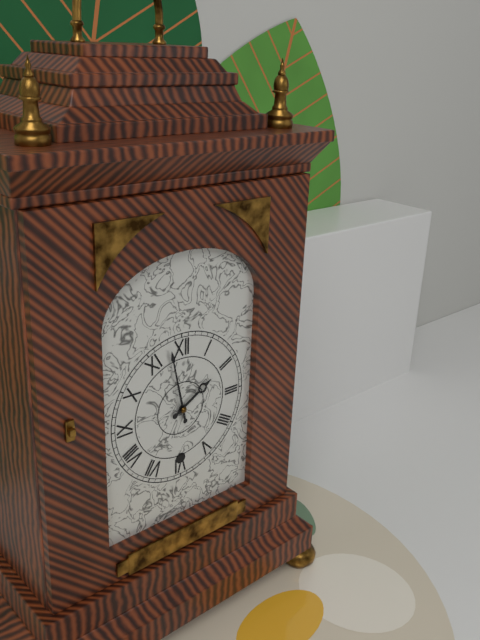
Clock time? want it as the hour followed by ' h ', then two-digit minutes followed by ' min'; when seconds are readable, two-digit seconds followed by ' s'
1 h 58 min
